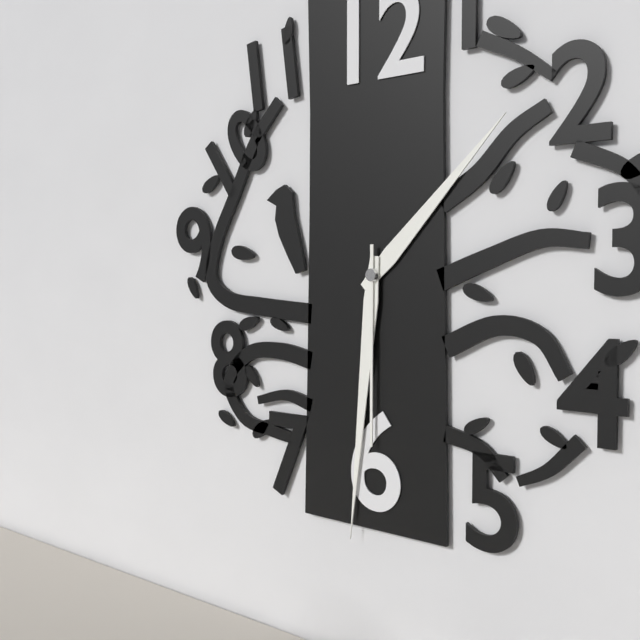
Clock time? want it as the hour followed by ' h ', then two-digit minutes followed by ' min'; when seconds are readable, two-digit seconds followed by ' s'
1 h 31 min 30 s
